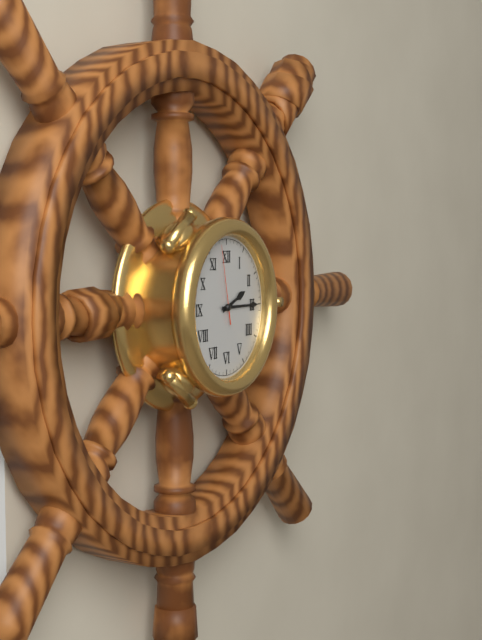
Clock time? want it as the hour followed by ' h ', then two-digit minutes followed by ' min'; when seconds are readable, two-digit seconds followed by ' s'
2 h 15 min 58 s
